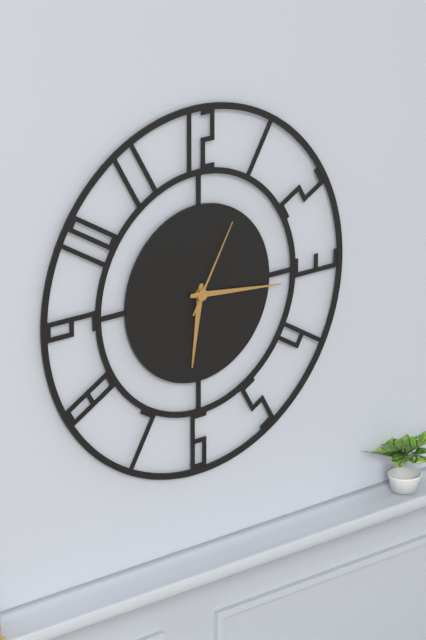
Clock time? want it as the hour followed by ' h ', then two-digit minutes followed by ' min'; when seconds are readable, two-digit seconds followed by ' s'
6 h 16 min 05 s
